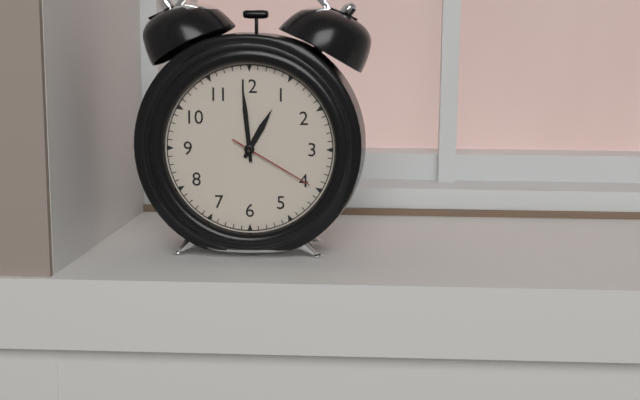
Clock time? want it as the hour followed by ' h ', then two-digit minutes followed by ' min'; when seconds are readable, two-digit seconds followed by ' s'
12 h 59 min 20 s
